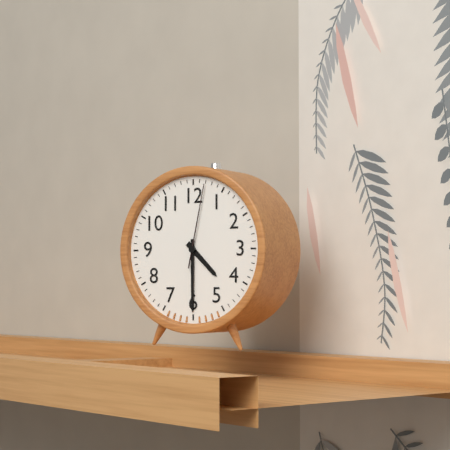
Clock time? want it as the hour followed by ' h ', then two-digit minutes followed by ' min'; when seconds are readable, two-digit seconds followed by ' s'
4 h 30 min 02 s
